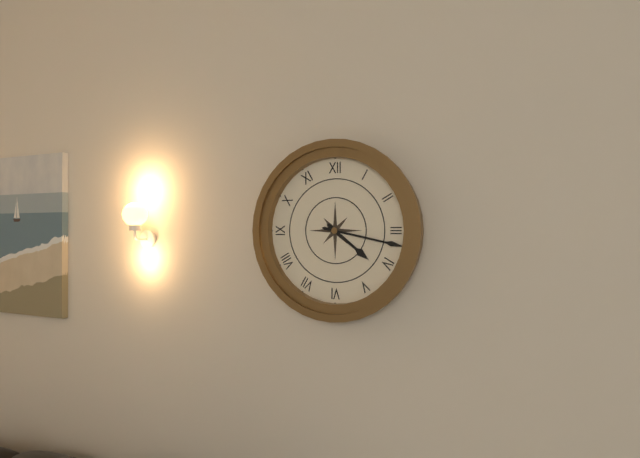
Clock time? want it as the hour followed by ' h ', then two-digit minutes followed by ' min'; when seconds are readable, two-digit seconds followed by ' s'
4 h 17 min
